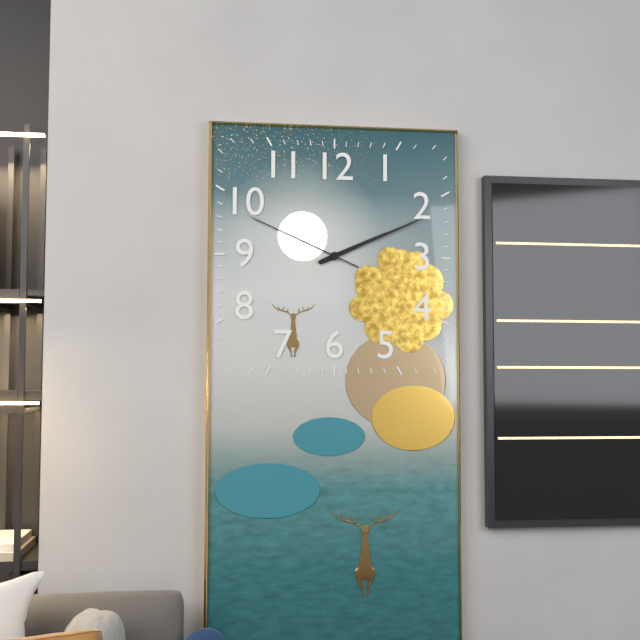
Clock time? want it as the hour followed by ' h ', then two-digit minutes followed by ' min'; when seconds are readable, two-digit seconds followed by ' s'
2 h 11 min 49 s
